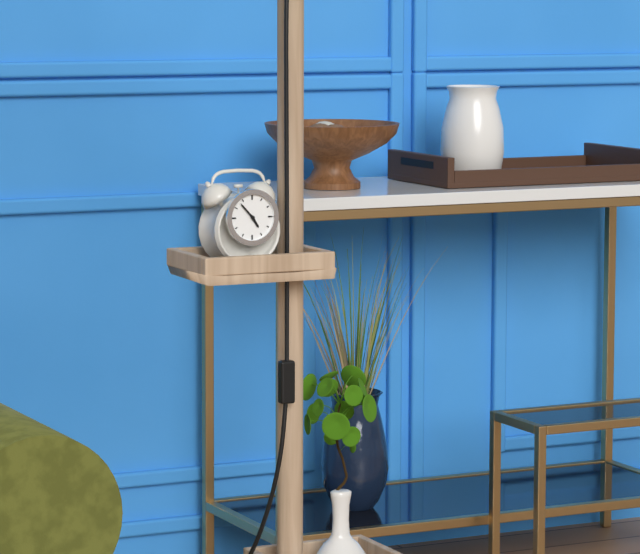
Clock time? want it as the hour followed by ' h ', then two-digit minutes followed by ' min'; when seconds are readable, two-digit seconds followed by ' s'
4 h 53 min
